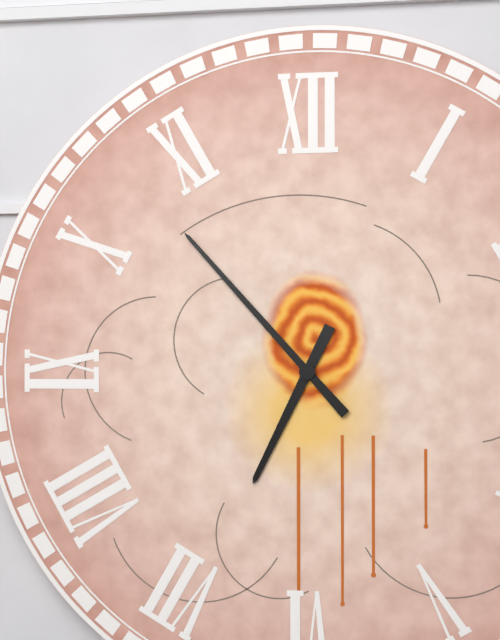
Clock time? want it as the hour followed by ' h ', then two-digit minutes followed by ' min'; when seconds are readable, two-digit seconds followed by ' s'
6 h 53 min
